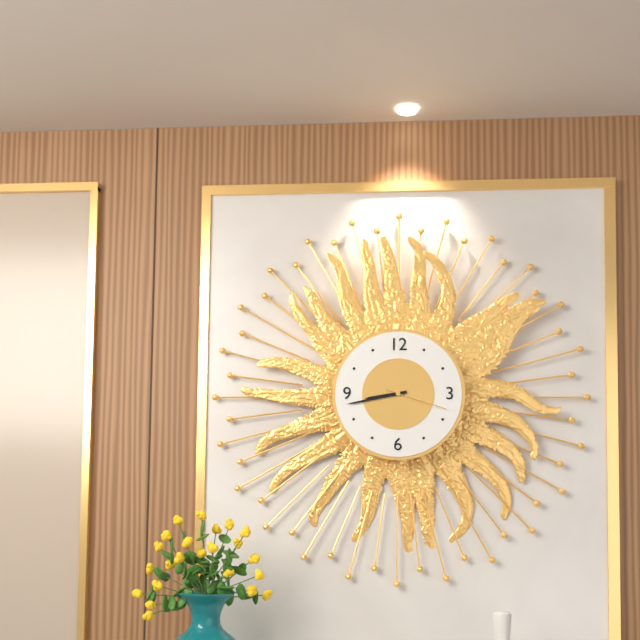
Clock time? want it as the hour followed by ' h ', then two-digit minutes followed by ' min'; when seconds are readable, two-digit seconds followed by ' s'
8 h 43 min 18 s
